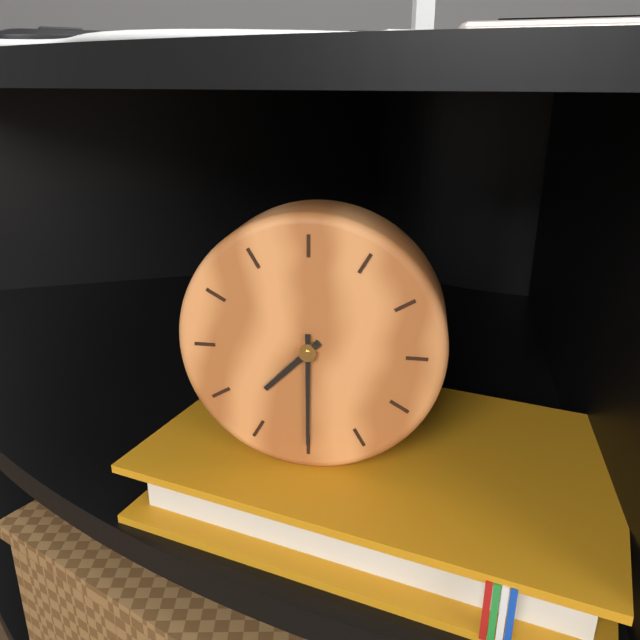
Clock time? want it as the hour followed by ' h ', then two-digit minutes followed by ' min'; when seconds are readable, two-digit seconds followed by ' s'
7 h 30 min
